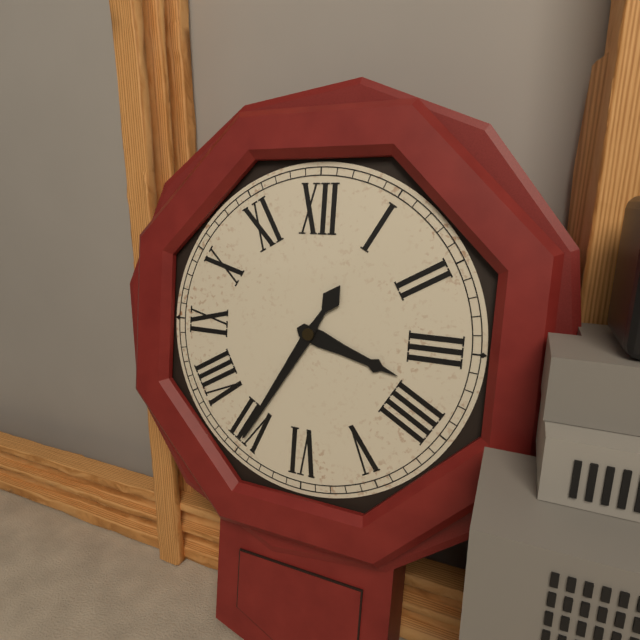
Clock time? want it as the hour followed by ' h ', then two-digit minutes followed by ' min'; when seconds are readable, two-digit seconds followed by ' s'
3 h 35 min
